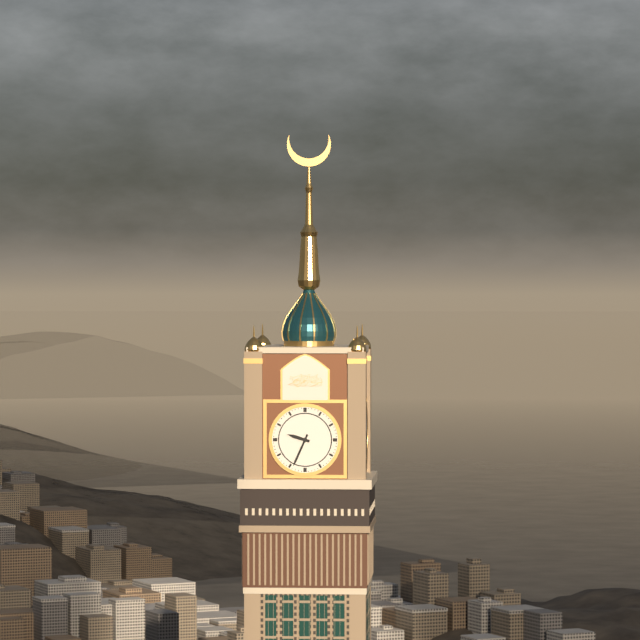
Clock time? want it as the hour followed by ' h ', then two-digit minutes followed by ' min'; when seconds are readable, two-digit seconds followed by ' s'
9 h 34 min
